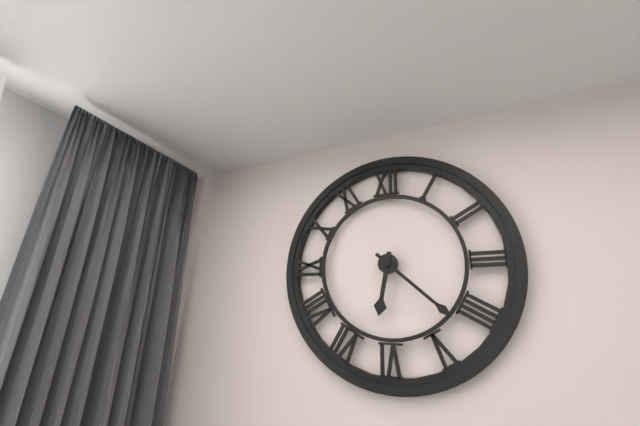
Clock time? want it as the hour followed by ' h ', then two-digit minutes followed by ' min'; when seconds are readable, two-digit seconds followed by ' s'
6 h 22 min
